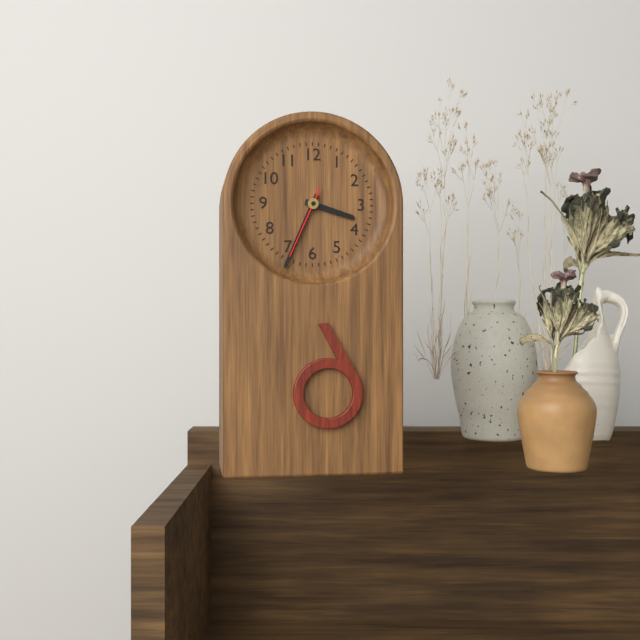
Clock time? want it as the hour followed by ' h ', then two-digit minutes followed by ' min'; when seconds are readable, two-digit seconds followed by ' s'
3 h 34 min 34 s
